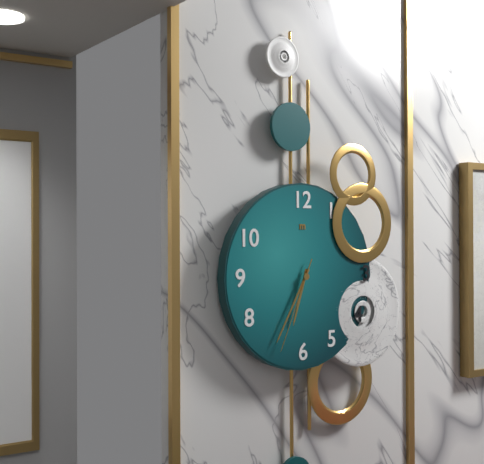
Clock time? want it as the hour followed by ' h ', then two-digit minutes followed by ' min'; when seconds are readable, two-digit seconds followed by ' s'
6 h 35 min 34 s
